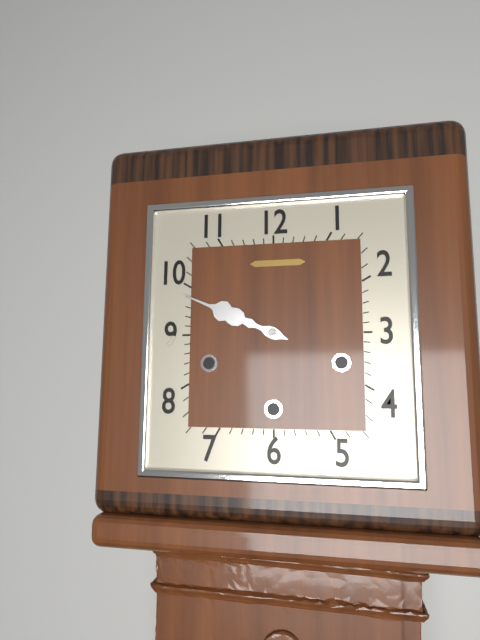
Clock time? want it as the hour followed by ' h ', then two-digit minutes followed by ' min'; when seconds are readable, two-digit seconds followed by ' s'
9 h 49 min
